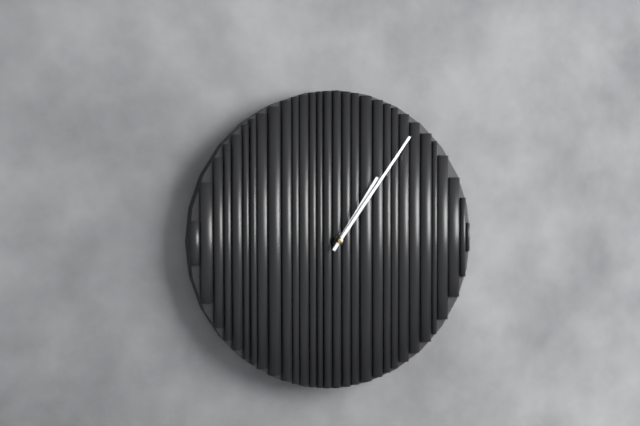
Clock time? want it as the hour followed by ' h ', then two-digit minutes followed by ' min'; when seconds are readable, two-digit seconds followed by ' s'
1 h 06 min
